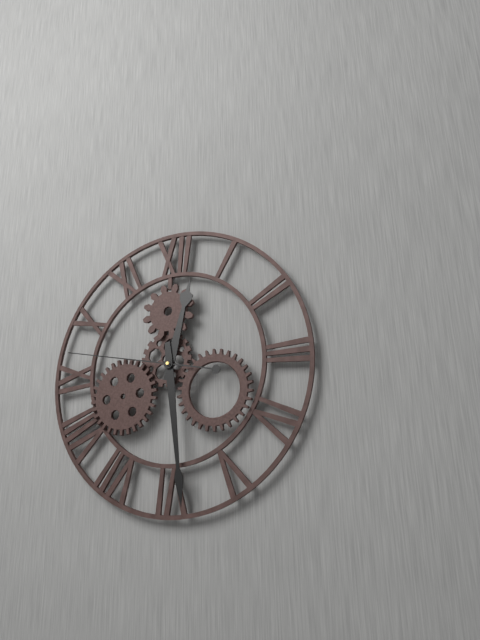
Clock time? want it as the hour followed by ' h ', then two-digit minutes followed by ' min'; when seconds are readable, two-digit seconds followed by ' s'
12 h 29 min 47 s
